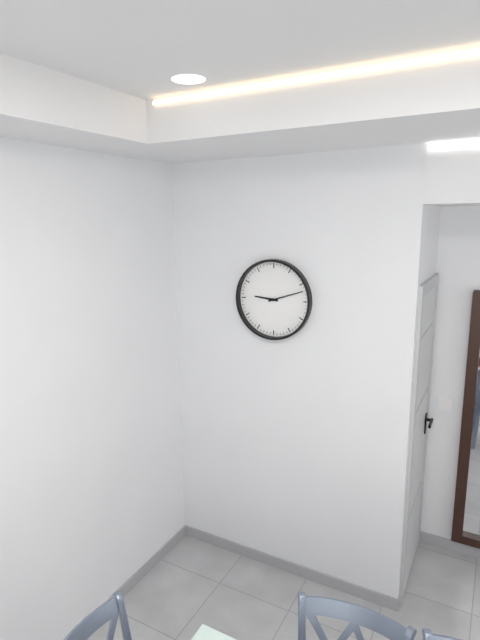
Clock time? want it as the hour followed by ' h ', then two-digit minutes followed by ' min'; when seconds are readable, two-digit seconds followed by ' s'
9 h 12 min
